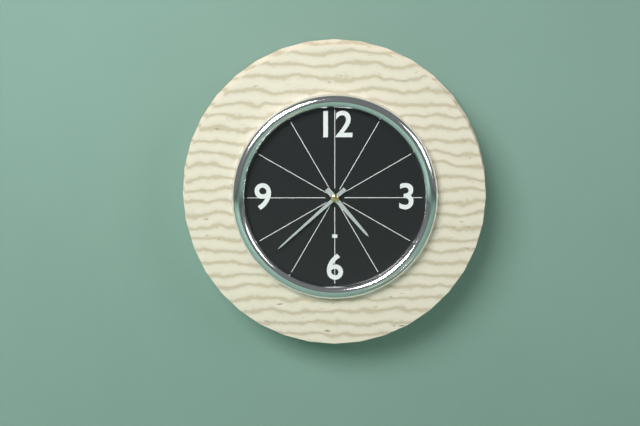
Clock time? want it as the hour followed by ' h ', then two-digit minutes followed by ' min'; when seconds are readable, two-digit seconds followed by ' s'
4 h 38 min
